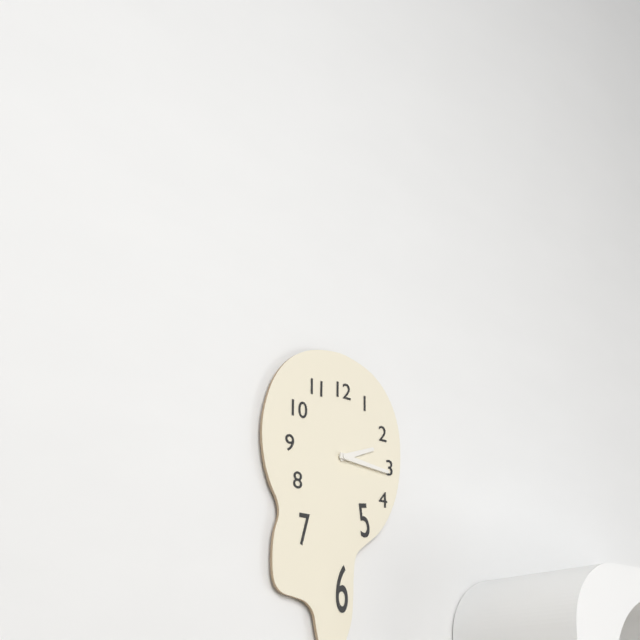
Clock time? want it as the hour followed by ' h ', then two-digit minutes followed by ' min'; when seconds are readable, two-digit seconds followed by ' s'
2 h 16 min
